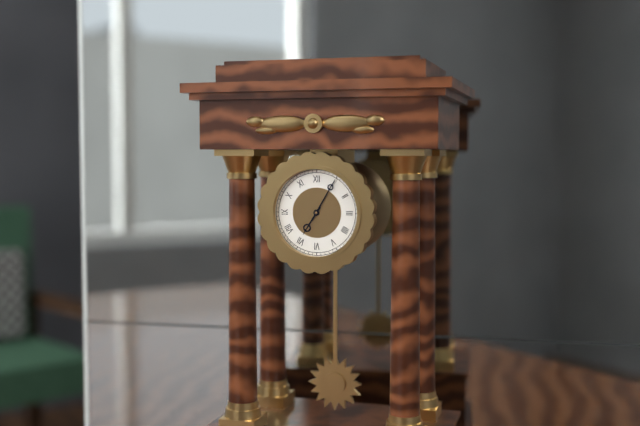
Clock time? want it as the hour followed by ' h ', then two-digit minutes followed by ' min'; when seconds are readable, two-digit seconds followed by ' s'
7 h 05 min
